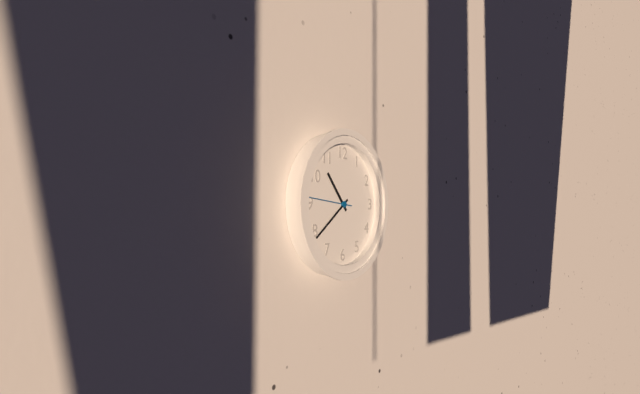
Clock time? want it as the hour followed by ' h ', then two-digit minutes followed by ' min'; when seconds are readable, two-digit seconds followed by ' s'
10 h 39 min
